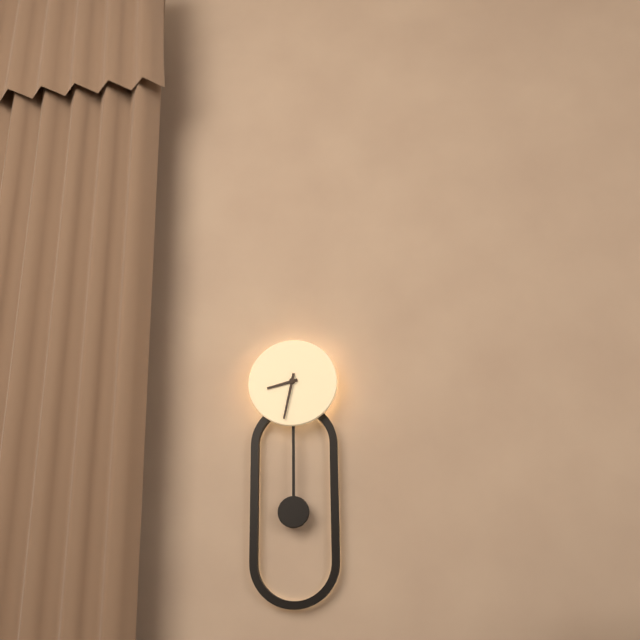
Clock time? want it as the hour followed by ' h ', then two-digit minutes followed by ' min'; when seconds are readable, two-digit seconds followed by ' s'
8 h 32 min
